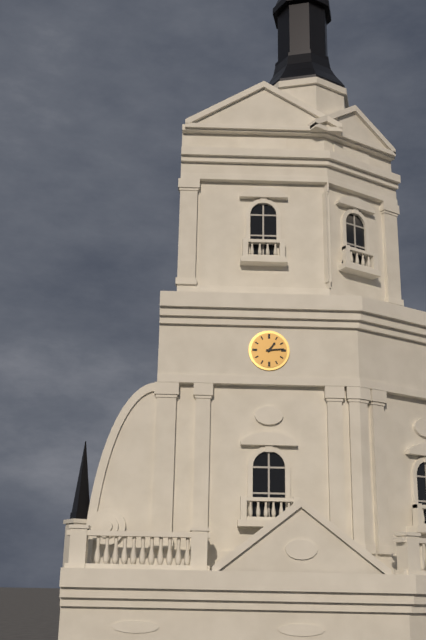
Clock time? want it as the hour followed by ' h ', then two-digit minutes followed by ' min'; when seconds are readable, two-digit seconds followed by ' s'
1 h 14 min
